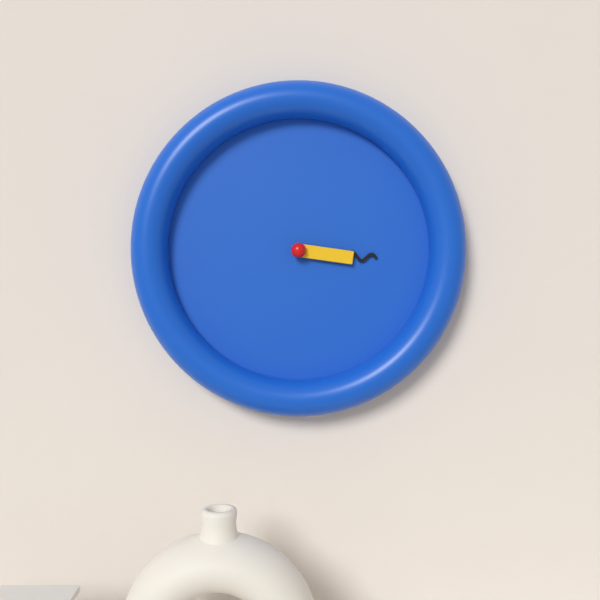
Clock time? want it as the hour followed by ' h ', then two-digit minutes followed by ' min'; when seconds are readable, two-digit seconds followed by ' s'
3 h 16 min
